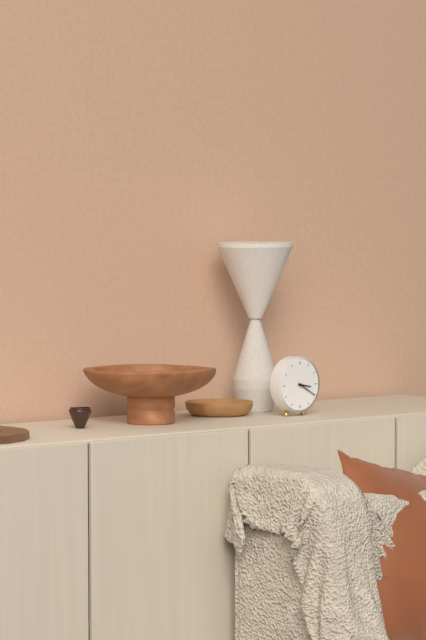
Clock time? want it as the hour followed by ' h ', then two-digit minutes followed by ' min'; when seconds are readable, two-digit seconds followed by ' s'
3 h 20 min
